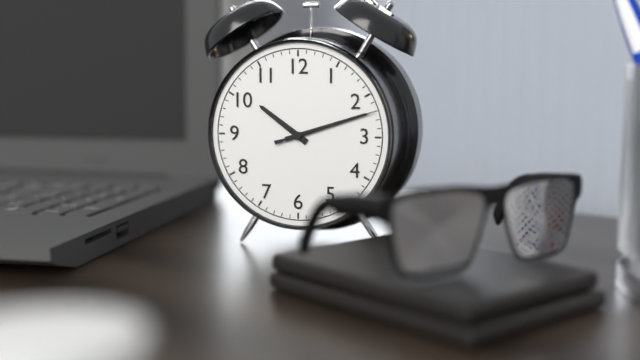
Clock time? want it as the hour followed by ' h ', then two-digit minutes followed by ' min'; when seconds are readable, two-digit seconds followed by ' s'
10 h 12 min 12 s
